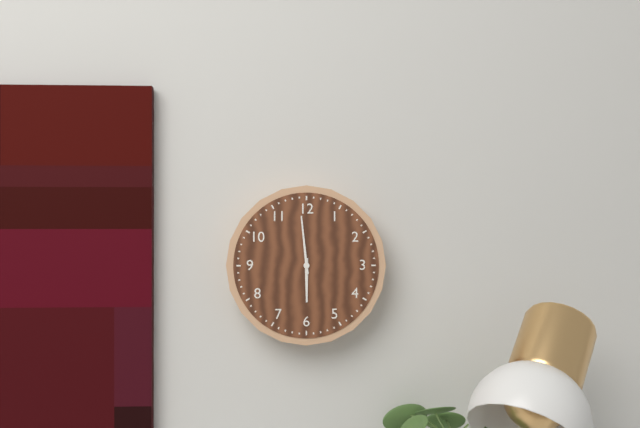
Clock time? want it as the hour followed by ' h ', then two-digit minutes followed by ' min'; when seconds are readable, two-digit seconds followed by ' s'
5 h 59 min
